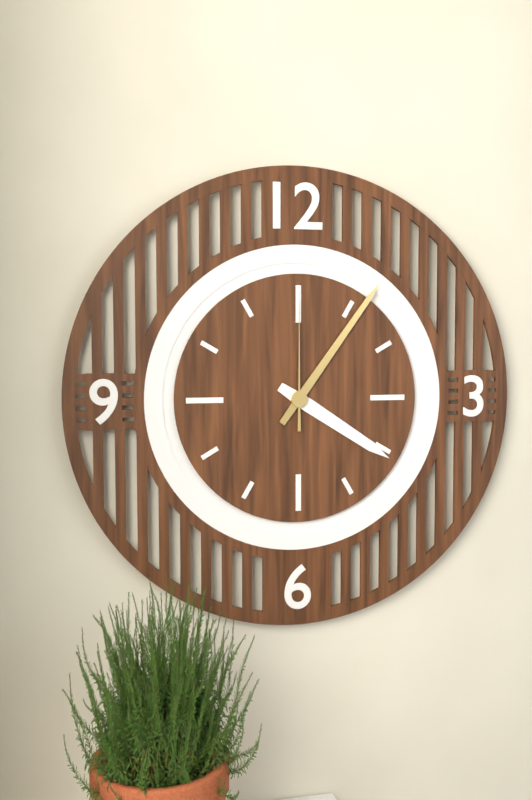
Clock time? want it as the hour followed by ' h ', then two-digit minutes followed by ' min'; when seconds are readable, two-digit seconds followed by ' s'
4 h 06 min 00 s
